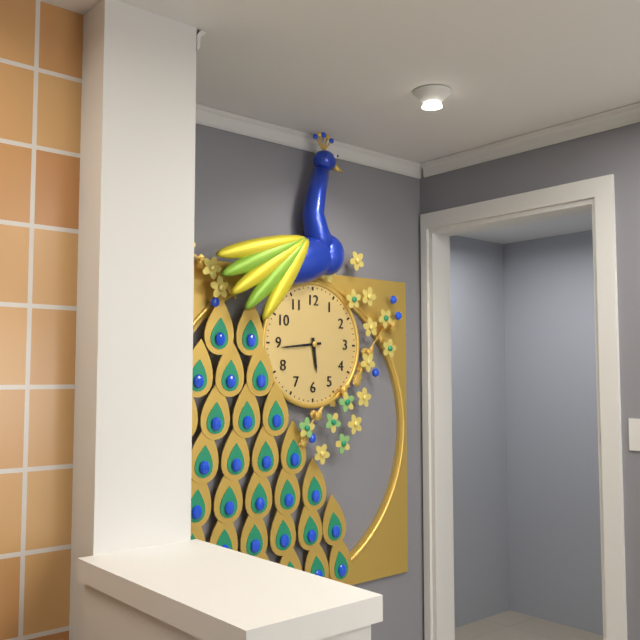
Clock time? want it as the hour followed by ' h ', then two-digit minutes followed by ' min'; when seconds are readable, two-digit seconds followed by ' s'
5 h 44 min
